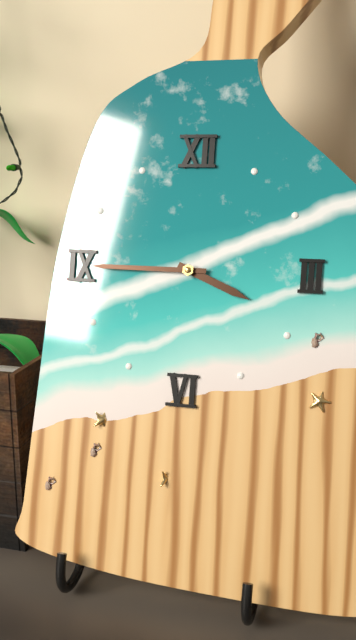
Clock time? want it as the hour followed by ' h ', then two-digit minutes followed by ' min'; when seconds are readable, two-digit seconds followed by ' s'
3 h 45 min
